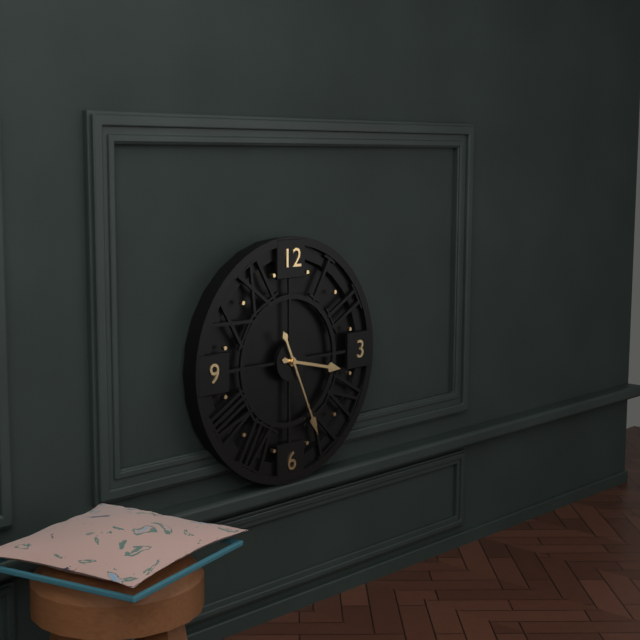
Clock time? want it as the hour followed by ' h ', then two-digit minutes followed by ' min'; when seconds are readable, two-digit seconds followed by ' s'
3 h 26 min
